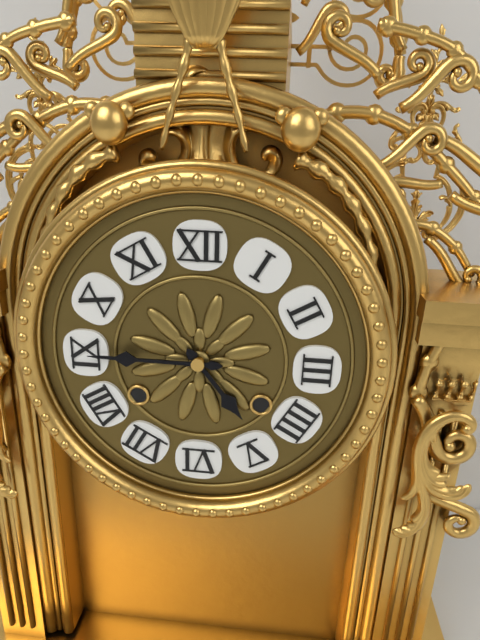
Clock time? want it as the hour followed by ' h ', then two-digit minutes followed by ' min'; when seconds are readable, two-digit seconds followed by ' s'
4 h 45 min
